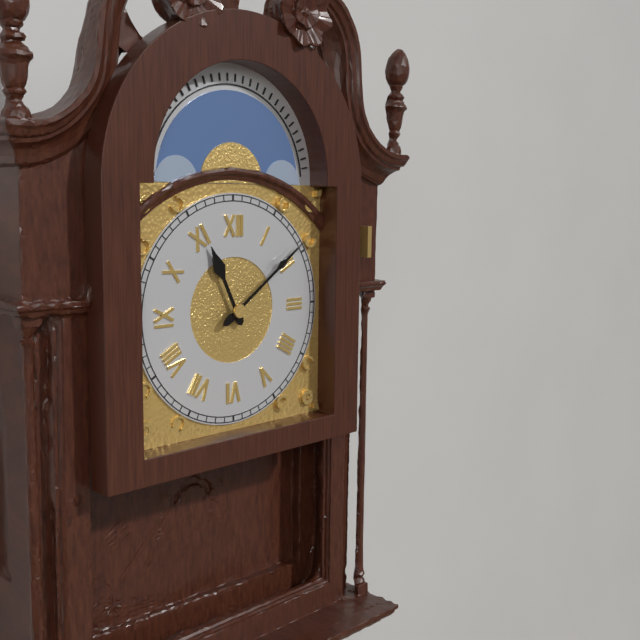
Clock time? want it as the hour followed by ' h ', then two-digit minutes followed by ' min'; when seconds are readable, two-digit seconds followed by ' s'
11 h 09 min
